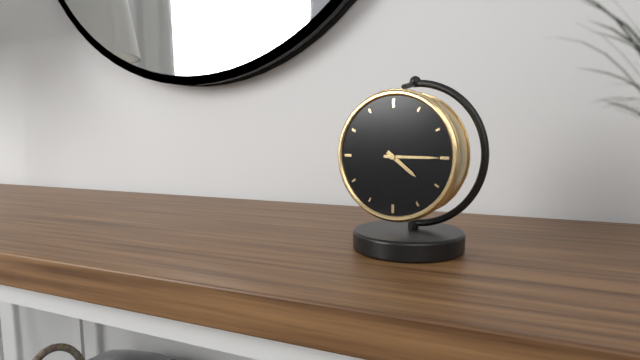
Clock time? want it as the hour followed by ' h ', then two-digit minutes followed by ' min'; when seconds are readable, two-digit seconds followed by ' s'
4 h 15 min
